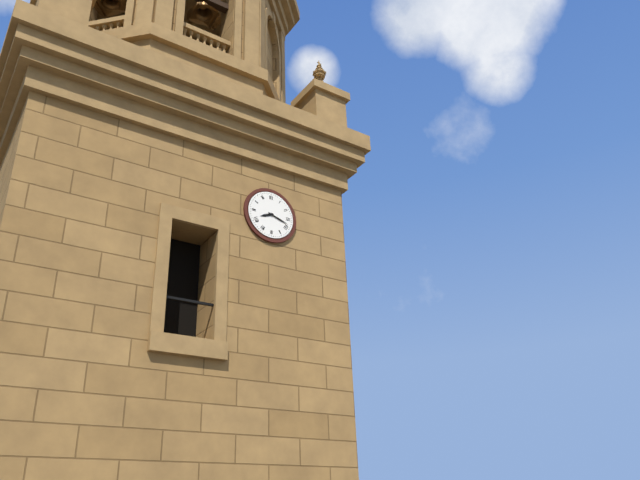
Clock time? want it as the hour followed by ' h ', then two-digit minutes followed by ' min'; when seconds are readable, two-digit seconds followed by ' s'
8 h 18 min
